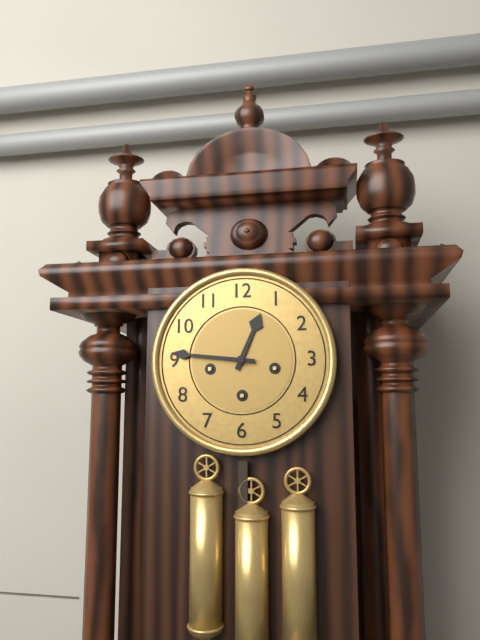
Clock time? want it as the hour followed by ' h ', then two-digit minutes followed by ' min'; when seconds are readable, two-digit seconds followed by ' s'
12 h 46 min
